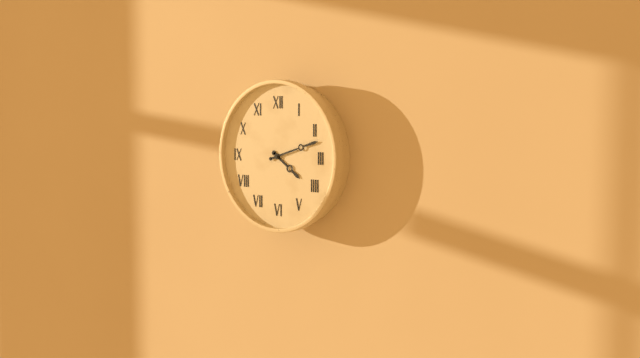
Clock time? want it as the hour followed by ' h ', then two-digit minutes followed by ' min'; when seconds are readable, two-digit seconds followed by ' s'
4 h 12 min
